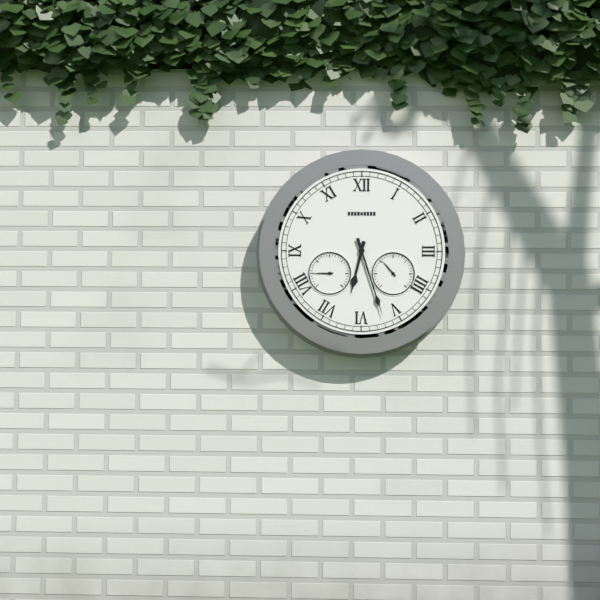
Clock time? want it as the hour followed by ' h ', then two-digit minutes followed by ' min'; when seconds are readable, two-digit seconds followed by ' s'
6 h 27 min
